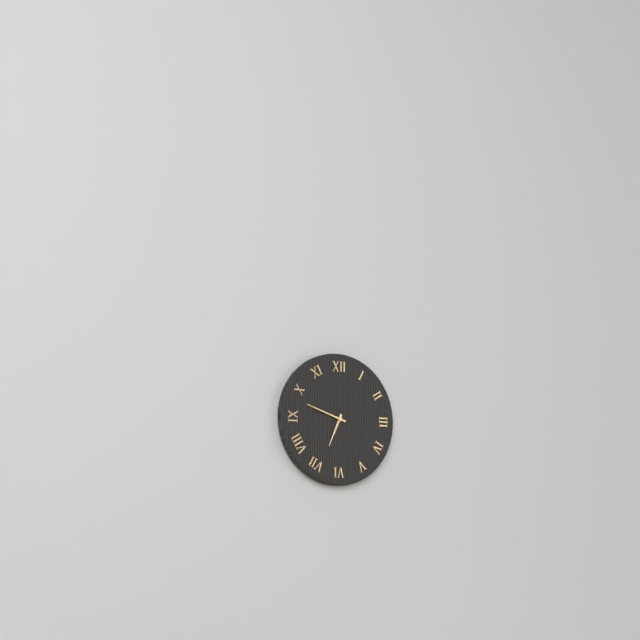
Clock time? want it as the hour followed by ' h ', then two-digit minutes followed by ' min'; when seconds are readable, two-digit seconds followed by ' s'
6 h 48 min
